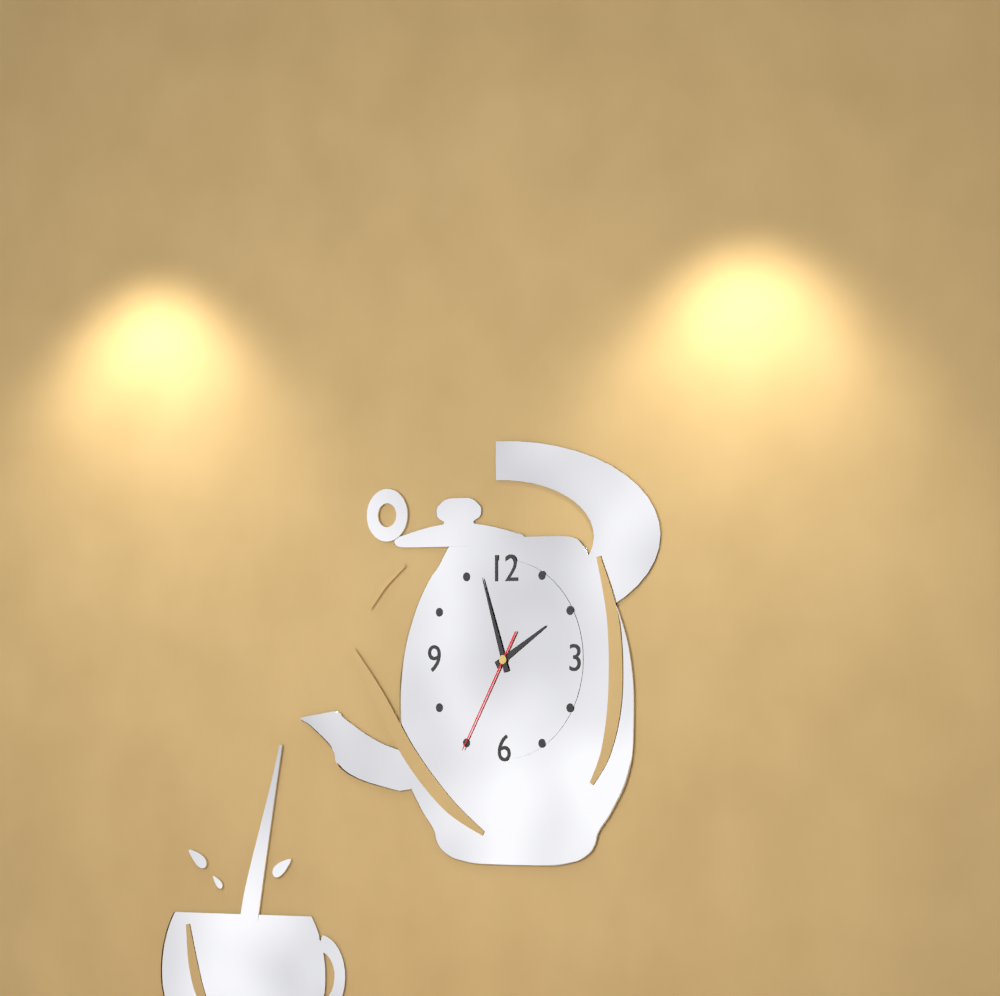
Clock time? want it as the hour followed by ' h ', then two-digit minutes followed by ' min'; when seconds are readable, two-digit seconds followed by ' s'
1 h 57 min 35 s
